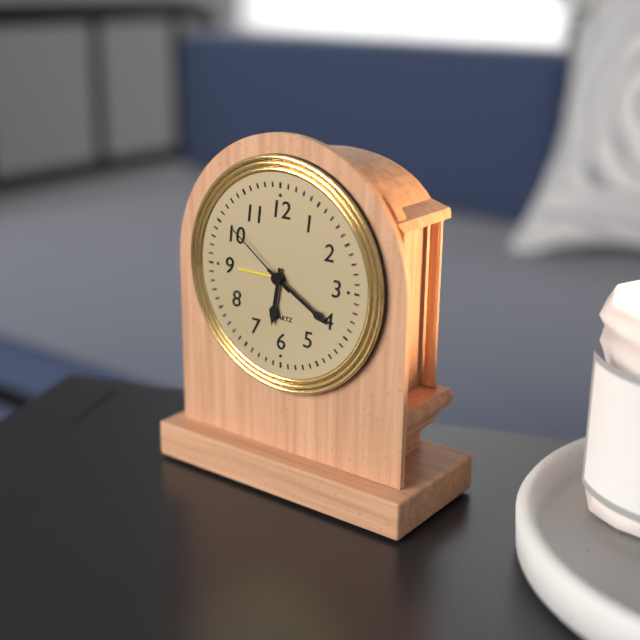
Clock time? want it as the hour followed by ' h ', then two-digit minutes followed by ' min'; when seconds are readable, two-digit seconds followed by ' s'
6 h 20 min 51 s
